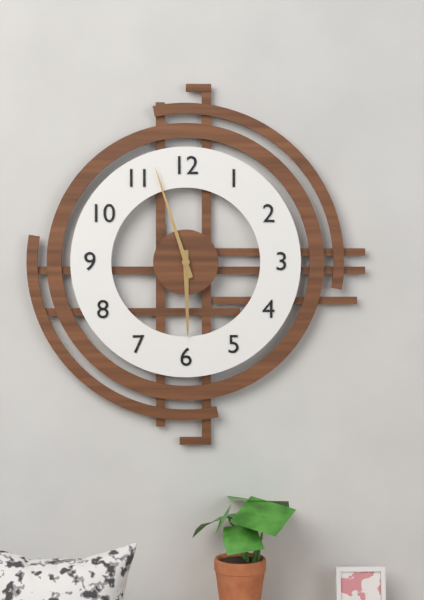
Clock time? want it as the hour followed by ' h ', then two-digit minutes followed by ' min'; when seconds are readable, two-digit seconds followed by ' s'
5 h 57 min
